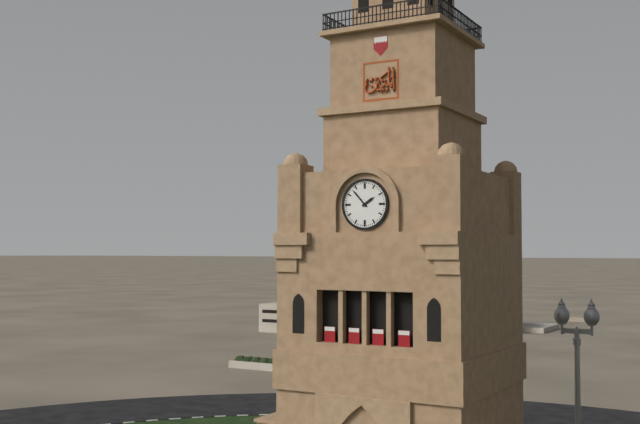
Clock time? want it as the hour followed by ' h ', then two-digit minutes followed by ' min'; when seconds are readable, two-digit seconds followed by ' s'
1 h 53 min
